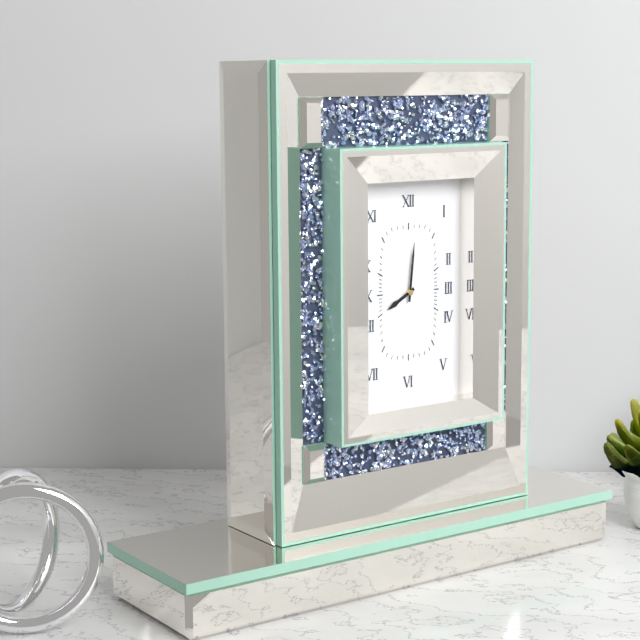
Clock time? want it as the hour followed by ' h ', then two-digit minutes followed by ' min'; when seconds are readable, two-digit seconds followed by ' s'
8 h 01 min
